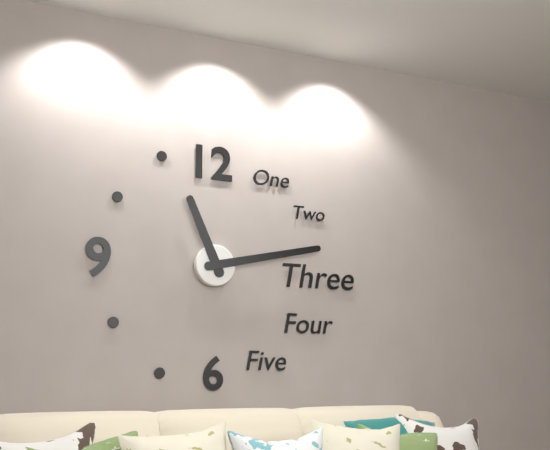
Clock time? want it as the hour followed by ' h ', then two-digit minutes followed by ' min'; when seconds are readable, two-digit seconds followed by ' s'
11 h 13 min
